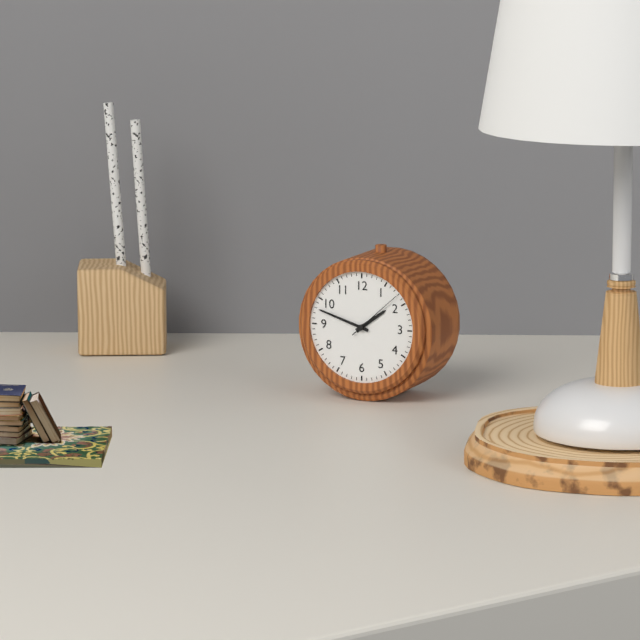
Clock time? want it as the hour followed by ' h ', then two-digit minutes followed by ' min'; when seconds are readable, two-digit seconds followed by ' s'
1 h 48 min 08 s
